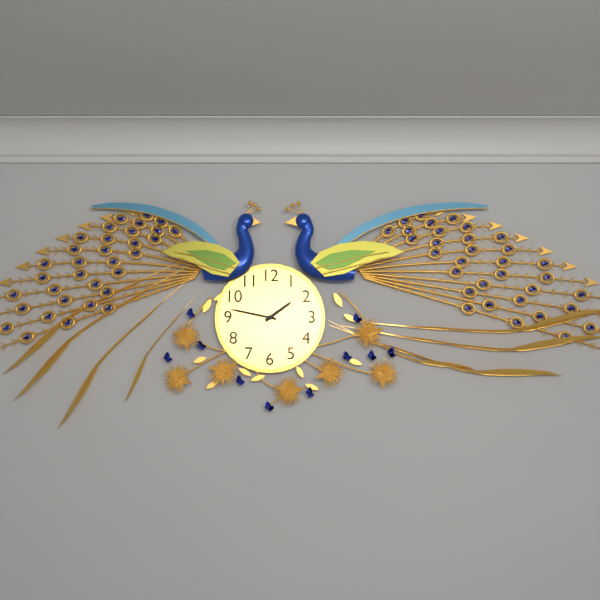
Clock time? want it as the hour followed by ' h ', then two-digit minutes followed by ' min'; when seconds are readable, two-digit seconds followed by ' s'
1 h 47 min
